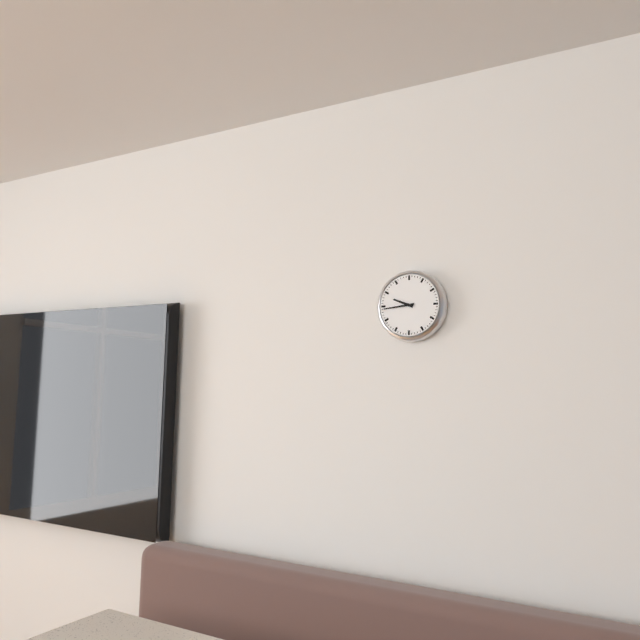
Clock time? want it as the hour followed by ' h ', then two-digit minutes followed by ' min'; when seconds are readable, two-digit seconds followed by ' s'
9 h 44 min
